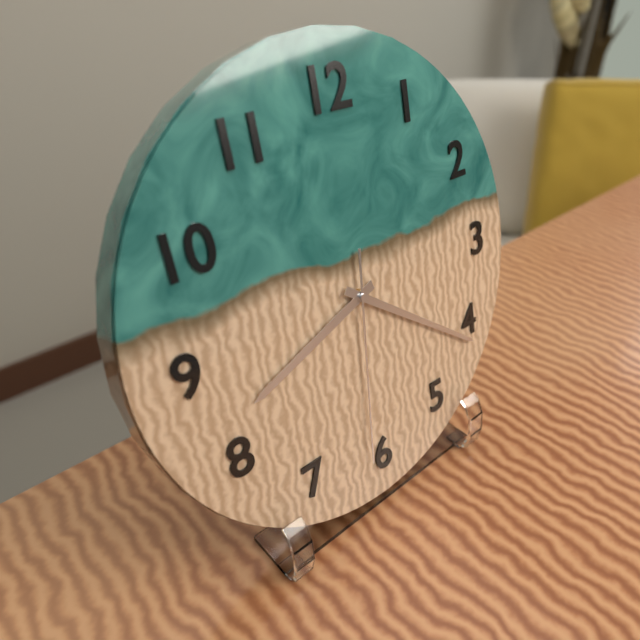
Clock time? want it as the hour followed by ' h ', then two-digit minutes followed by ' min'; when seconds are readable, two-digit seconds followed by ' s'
8 h 21 min 31 s
